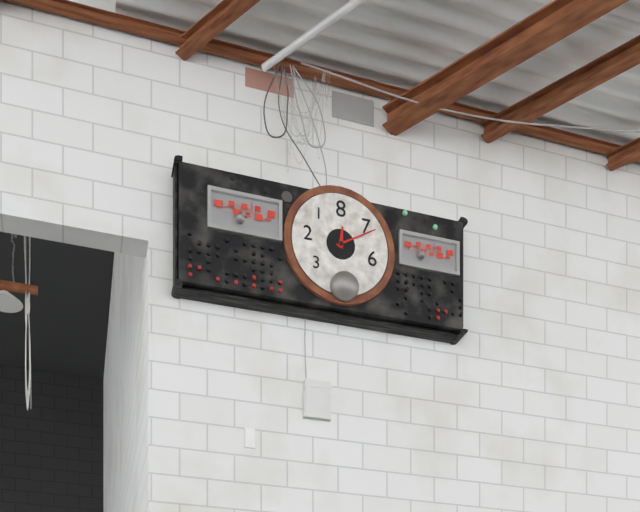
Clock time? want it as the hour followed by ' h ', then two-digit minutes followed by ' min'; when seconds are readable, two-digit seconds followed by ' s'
12 h 10 min
